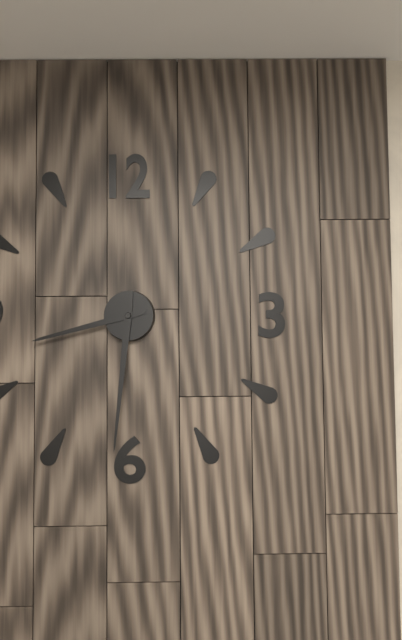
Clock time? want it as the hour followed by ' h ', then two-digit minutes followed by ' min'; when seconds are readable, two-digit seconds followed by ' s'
8 h 31 min
